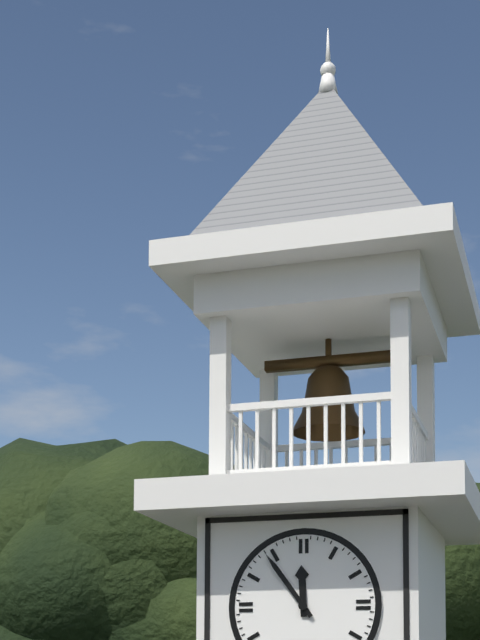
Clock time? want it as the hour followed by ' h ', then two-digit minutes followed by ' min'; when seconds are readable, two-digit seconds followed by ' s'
11 h 54 min
